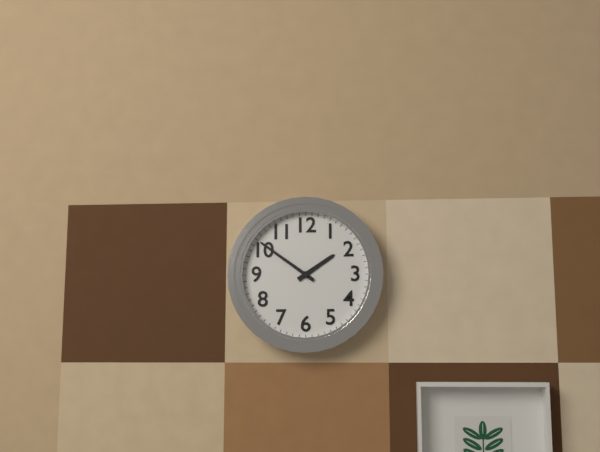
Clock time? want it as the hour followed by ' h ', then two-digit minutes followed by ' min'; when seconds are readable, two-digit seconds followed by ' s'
1 h 51 min
